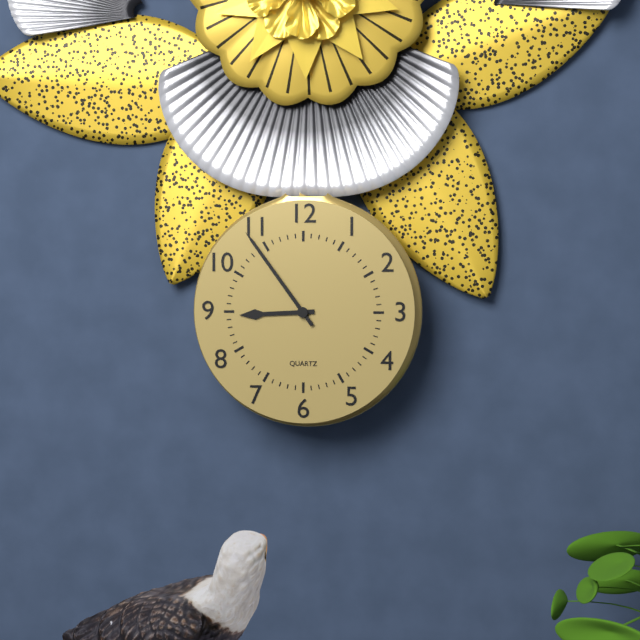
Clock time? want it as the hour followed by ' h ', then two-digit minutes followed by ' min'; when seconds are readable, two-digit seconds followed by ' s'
8 h 54 min
